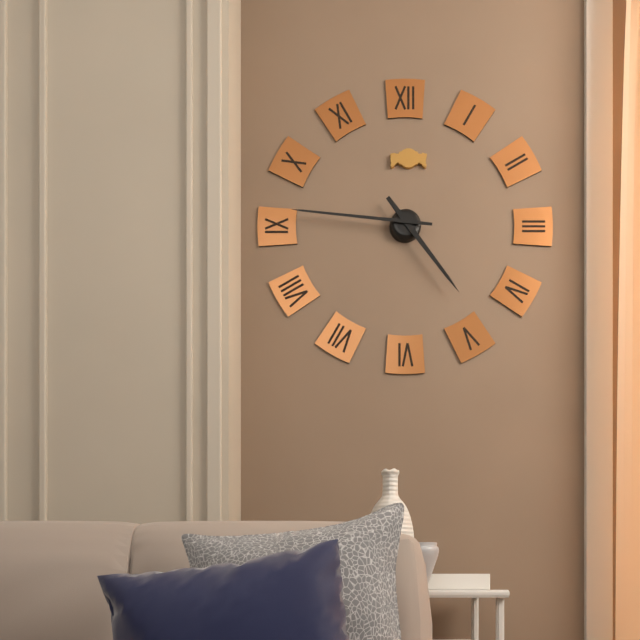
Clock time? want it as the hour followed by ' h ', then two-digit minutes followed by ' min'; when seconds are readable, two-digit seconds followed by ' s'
4 h 46 min
